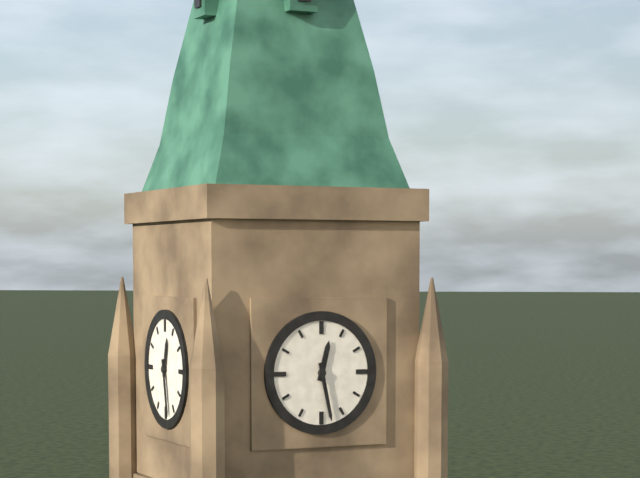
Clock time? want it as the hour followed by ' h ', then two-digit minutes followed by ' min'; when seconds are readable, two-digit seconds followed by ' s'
12 h 28 min
